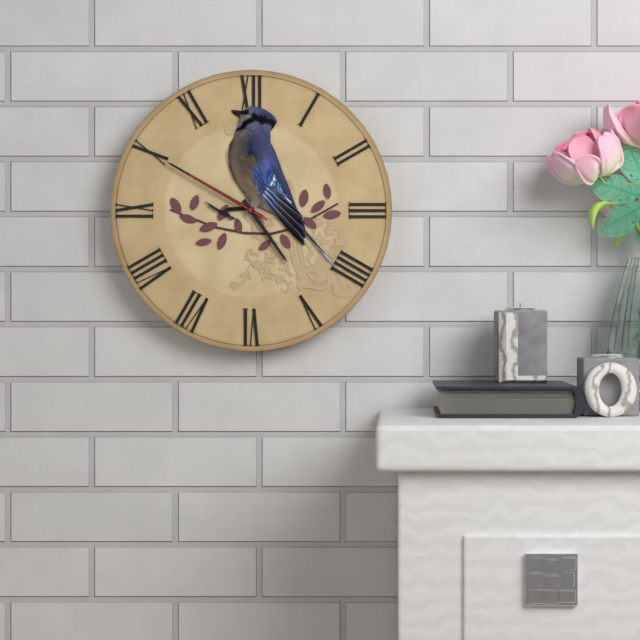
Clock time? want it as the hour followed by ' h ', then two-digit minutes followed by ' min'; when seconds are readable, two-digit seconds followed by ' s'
4 h 50 min 50 s
